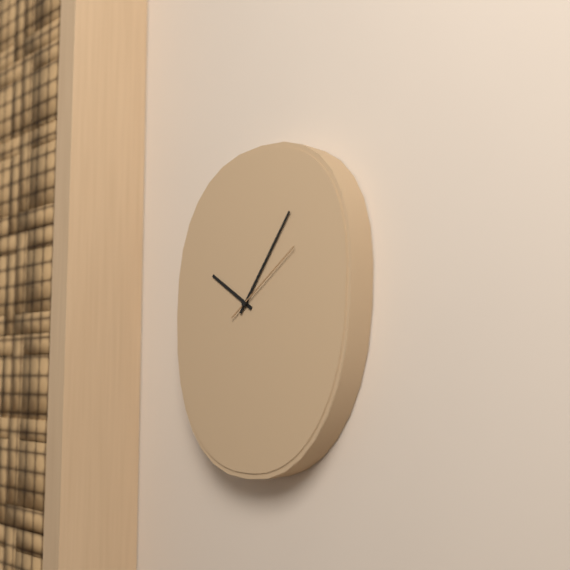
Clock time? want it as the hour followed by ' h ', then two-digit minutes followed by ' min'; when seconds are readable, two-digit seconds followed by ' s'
10 h 06 min 09 s
